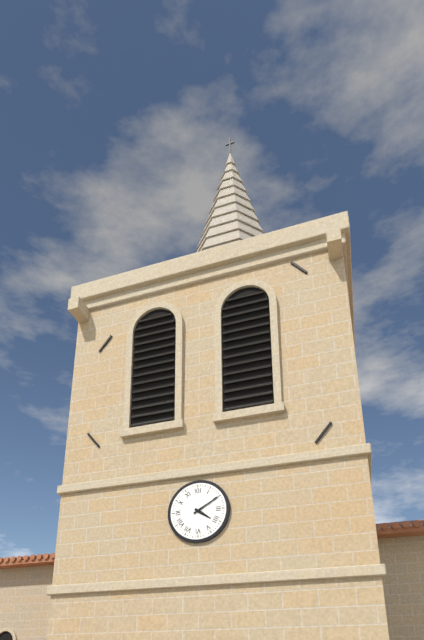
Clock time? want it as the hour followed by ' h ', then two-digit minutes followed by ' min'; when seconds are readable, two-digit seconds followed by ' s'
4 h 10 min
